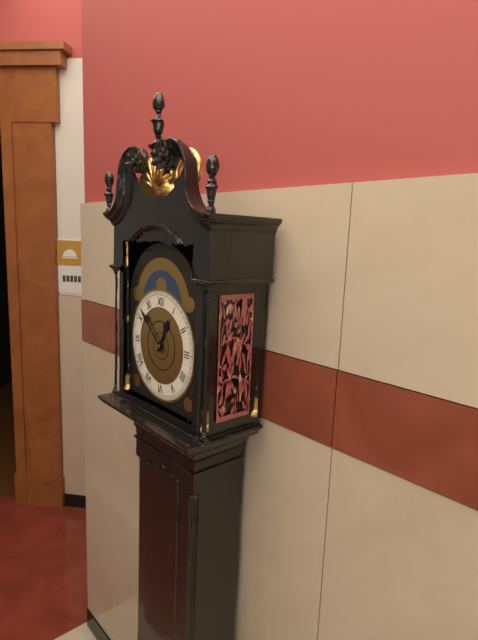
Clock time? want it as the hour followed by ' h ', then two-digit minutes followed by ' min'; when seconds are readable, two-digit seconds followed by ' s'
12 h 52 min
